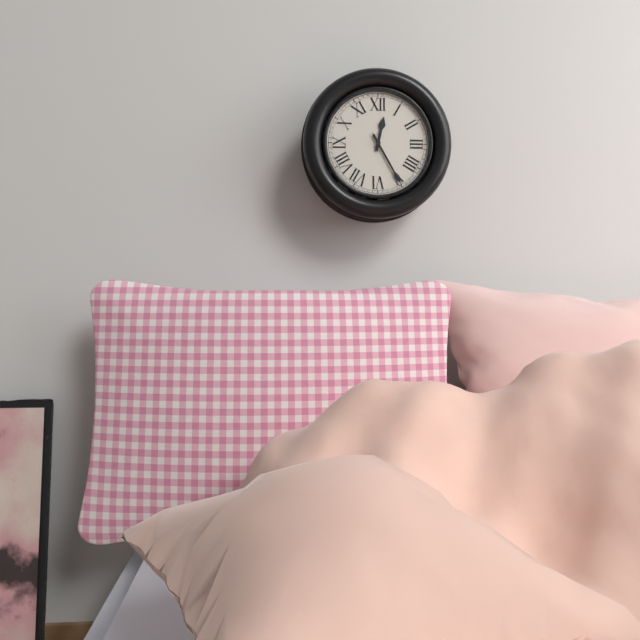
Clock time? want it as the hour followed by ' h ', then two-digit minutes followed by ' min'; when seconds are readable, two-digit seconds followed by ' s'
12 h 25 min 25 s
